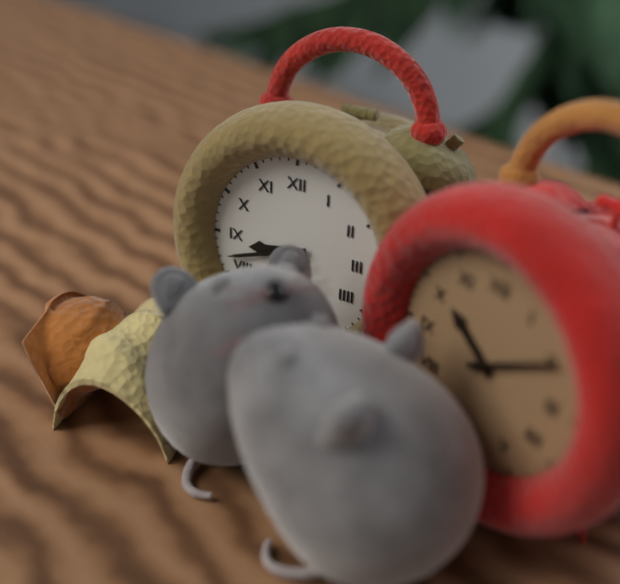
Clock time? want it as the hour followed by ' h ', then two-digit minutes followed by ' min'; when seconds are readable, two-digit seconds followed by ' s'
8 h 42 min
